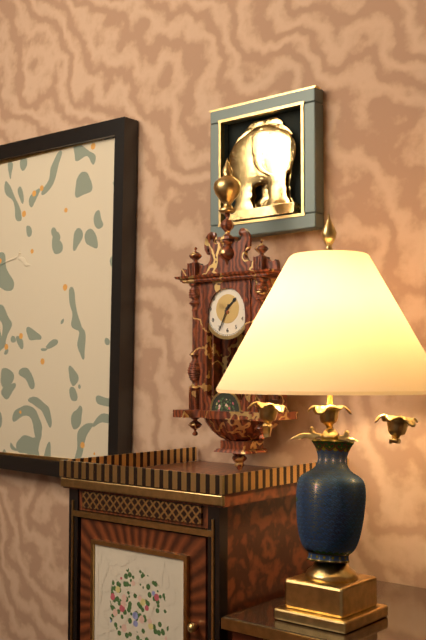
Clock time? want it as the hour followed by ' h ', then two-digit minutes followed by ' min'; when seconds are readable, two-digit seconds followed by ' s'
1 h 34 min
